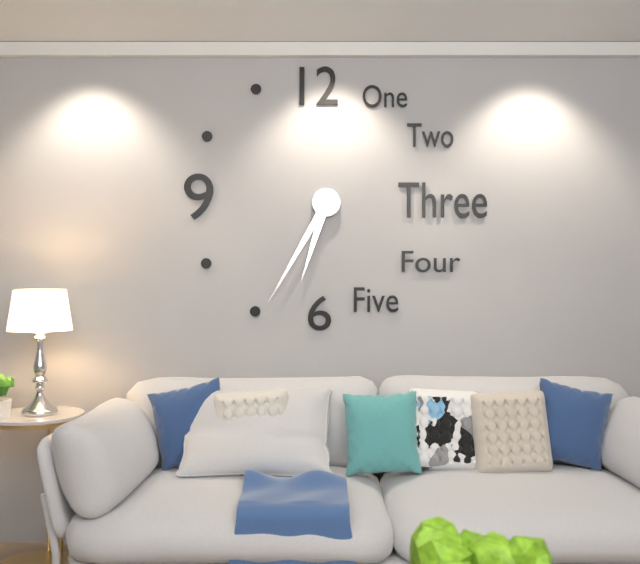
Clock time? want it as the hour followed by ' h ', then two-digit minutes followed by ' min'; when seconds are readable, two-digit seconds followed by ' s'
6 h 35 min
